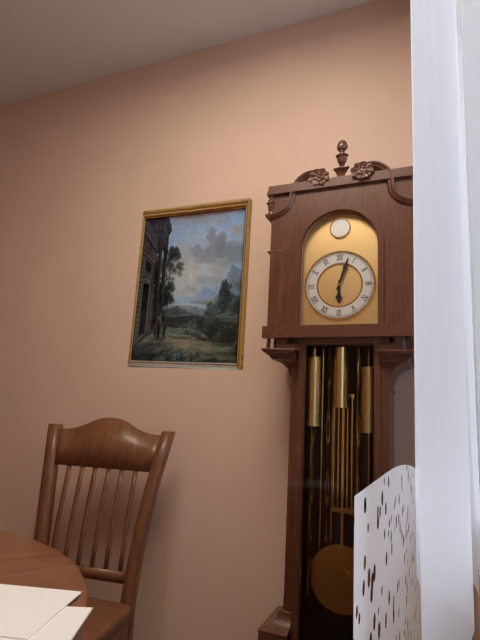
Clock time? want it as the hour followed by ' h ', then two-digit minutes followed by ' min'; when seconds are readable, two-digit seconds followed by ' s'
6 h 03 min
